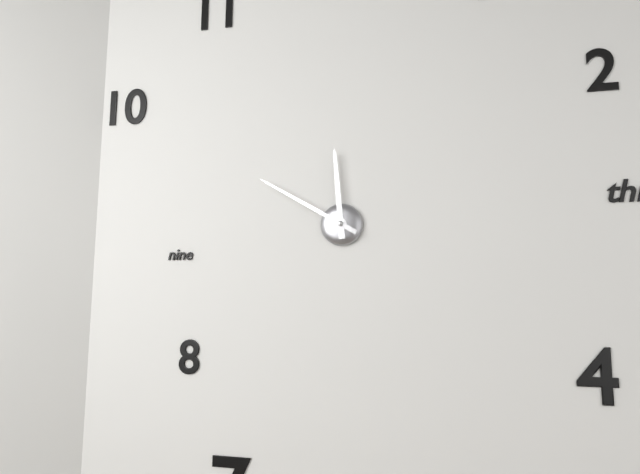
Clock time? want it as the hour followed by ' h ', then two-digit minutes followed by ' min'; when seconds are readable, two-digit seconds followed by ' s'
11 h 50 min
